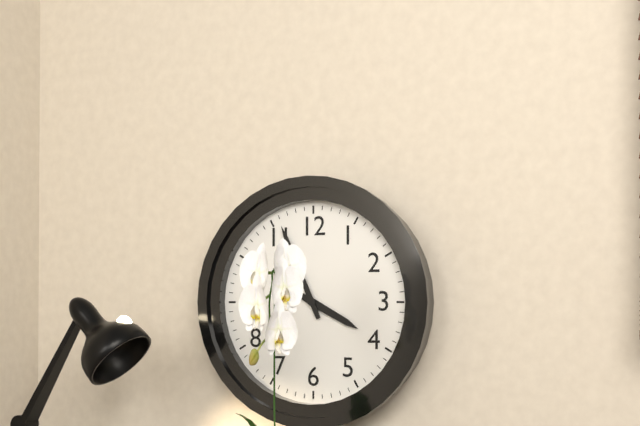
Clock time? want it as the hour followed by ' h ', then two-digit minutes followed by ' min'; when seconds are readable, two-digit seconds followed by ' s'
3 h 56 min
